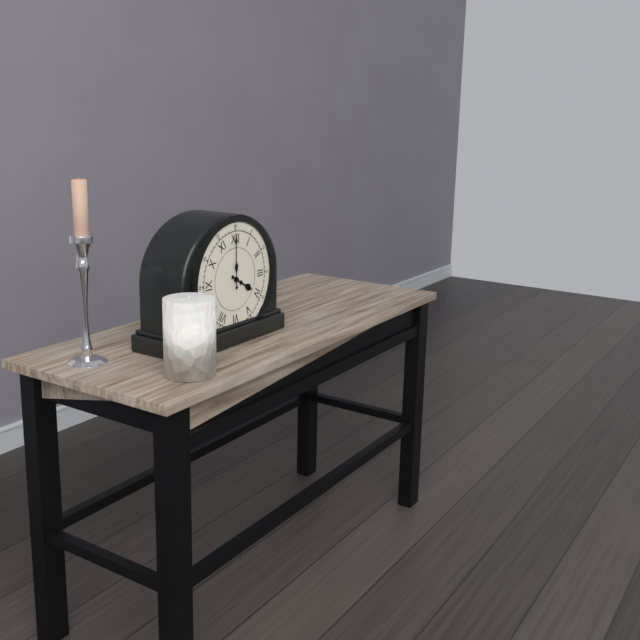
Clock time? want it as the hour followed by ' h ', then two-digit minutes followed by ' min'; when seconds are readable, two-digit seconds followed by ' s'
4 h 00 min
